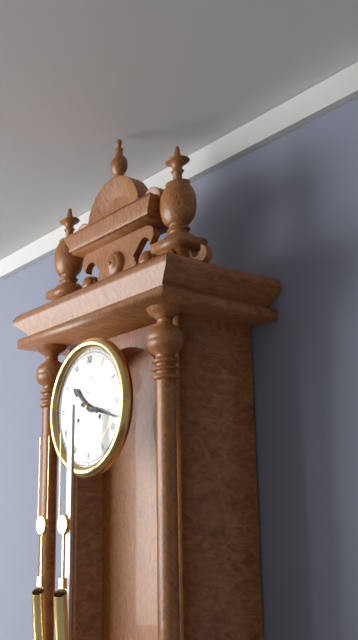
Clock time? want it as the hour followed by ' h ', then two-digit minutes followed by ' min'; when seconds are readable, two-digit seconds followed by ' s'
10 h 18 min
